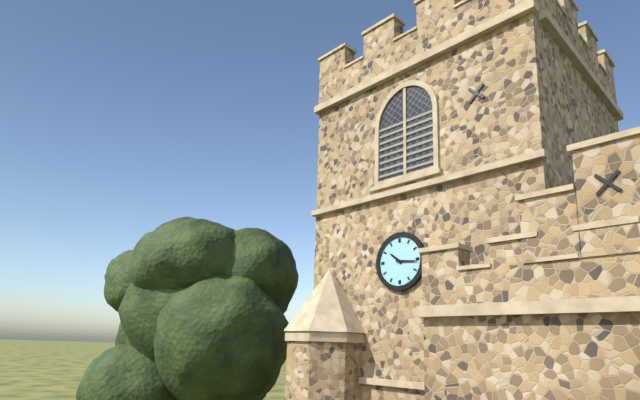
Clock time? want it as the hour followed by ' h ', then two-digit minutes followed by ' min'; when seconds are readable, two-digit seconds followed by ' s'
10 h 16 min
